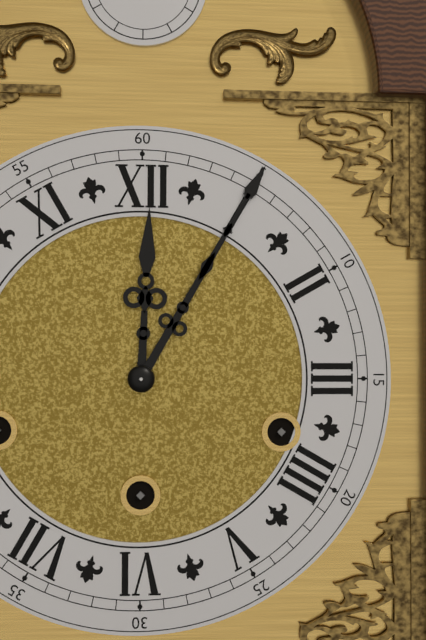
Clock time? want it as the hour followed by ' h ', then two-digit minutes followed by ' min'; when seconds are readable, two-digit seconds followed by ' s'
12 h 05 min
